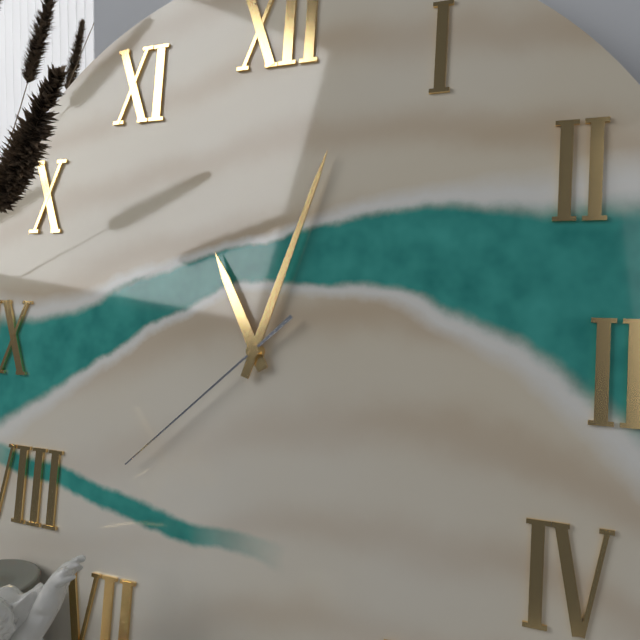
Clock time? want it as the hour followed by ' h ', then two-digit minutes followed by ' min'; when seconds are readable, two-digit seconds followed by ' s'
11 h 03 min 38 s
